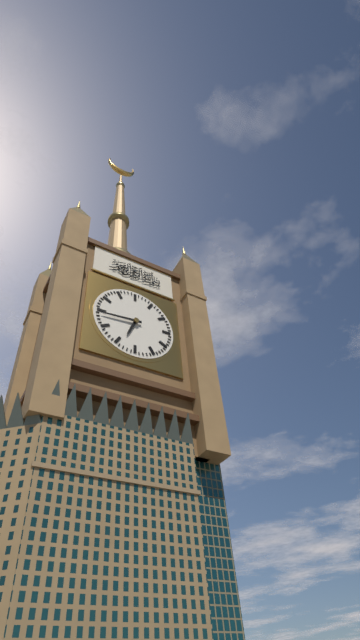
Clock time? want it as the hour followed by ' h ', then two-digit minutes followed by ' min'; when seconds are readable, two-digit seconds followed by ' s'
6 h 44 min
